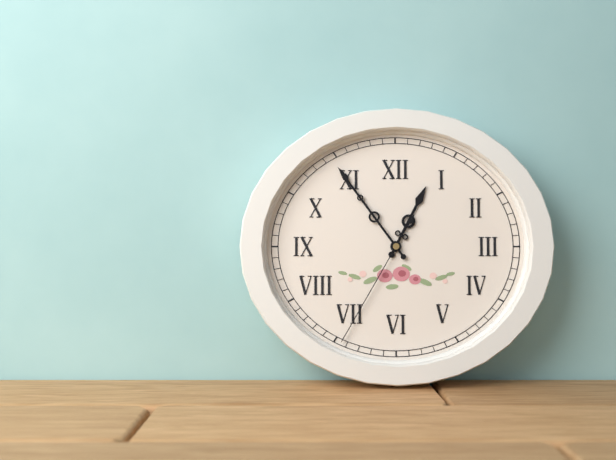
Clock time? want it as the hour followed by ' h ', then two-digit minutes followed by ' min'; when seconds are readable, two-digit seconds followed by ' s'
12 h 54 min 35 s
